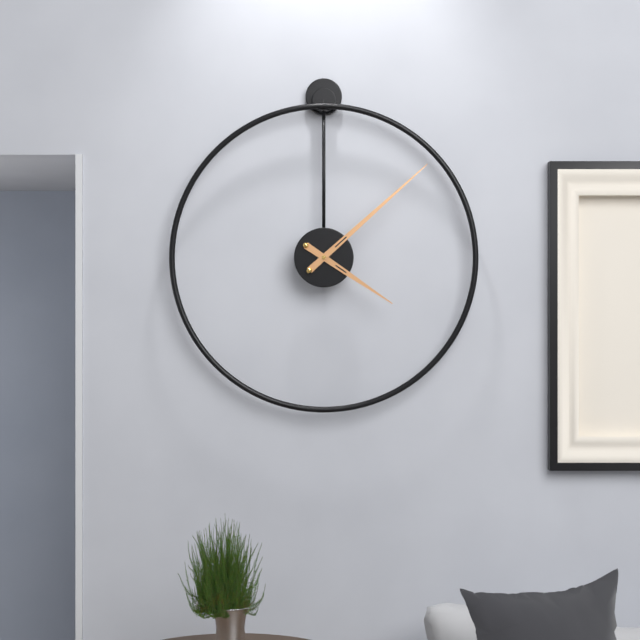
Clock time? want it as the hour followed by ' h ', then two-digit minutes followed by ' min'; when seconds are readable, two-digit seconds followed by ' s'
4 h 08 min
